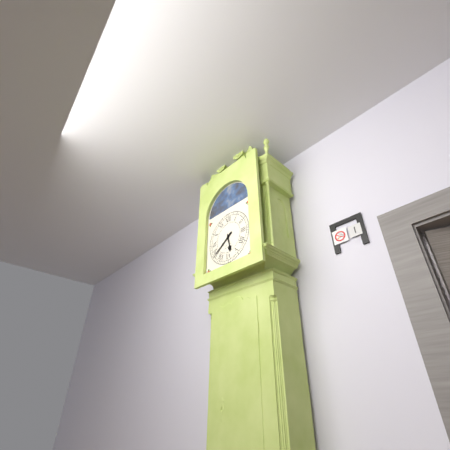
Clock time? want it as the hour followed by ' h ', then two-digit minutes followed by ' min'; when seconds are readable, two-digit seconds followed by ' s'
5 h 39 min
